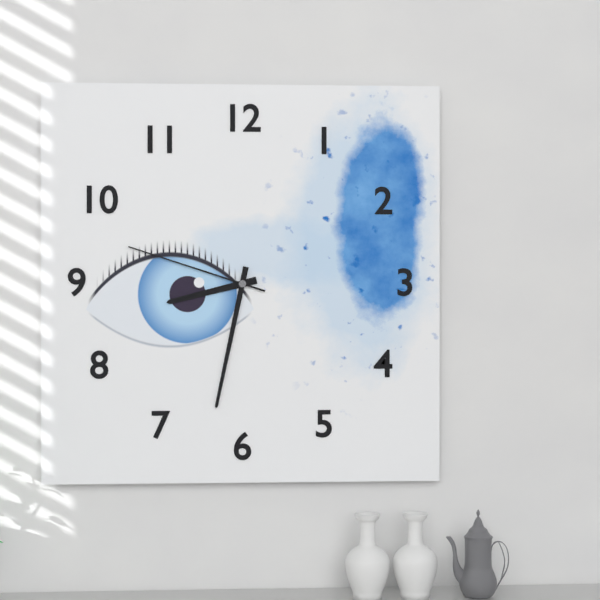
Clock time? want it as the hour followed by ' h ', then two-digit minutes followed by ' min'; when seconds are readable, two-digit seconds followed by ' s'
8 h 32 min 48 s
